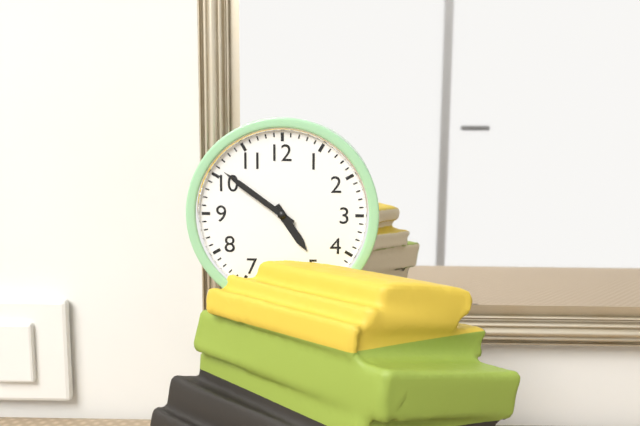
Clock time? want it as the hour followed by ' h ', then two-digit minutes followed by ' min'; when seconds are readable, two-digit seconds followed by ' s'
4 h 51 min
